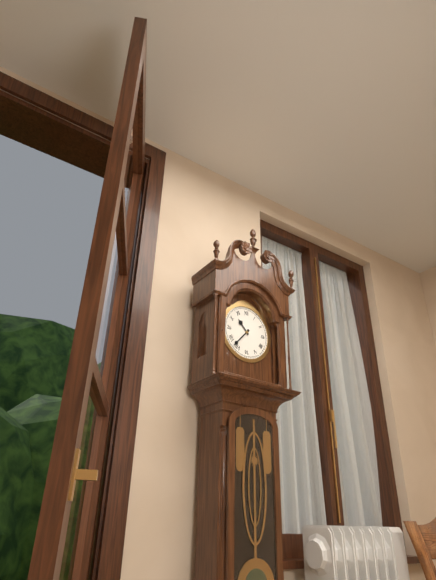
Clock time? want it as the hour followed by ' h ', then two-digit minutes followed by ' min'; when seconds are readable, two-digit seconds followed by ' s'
10 h 37 min
